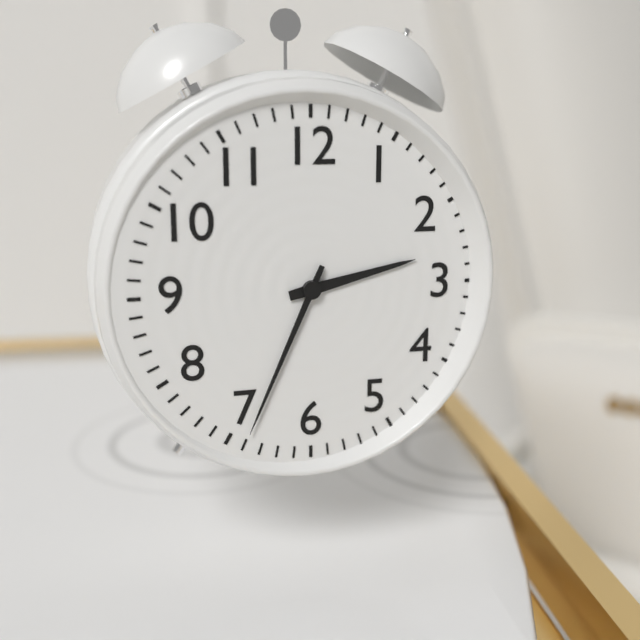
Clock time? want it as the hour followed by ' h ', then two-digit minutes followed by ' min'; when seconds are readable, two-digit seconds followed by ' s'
2 h 34 min
